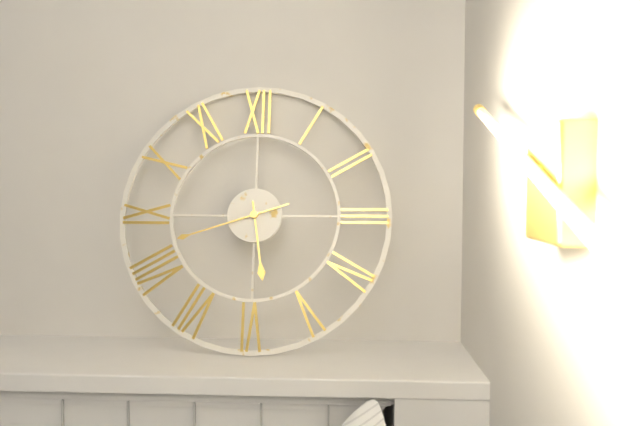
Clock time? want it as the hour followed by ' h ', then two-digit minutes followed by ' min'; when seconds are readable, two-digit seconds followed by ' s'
5 h 42 min
